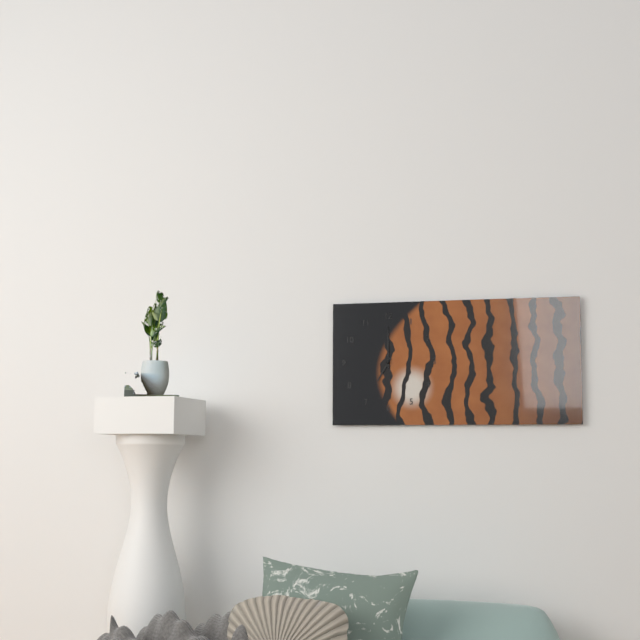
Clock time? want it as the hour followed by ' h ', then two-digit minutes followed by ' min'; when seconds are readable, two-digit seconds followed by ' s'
7 h 00 min
